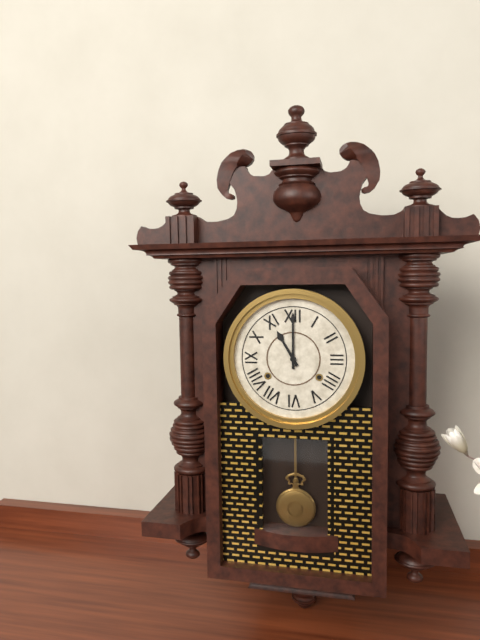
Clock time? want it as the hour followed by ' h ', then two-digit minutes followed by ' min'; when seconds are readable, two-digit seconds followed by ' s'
11 h 00 min
